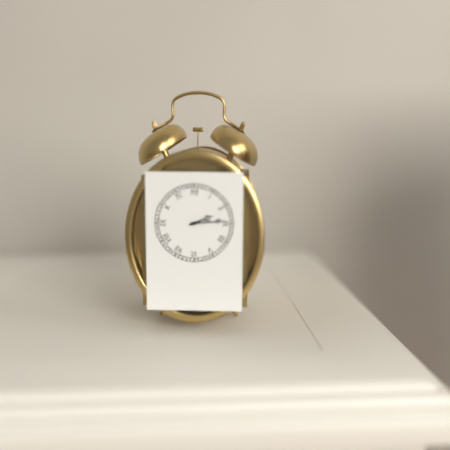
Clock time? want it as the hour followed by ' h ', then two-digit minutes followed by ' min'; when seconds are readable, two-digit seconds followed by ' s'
2 h 14 min
